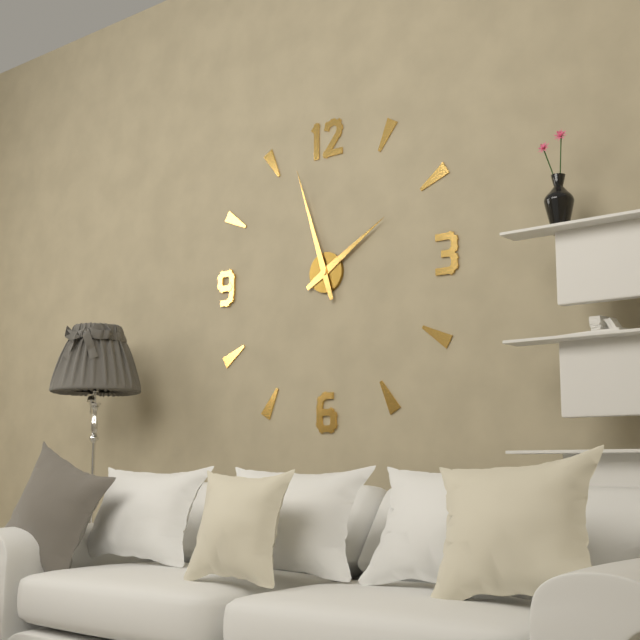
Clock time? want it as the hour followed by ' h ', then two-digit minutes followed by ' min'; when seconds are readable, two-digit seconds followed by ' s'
1 h 57 min
